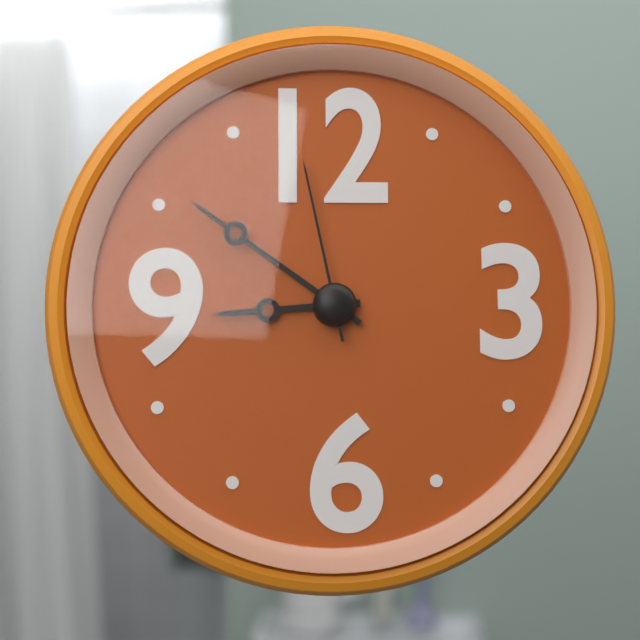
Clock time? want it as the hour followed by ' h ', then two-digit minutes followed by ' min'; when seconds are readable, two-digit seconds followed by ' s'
8 h 51 min 58 s
